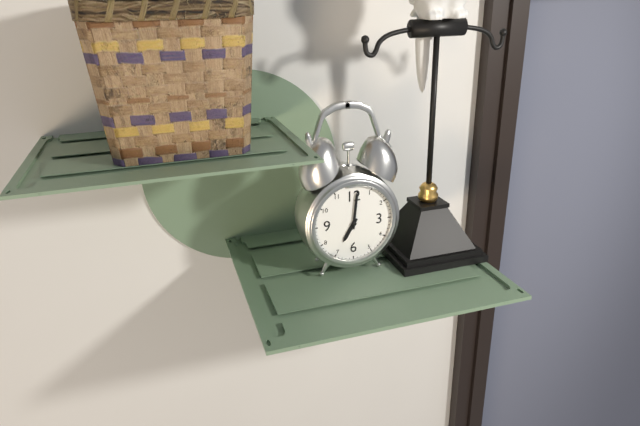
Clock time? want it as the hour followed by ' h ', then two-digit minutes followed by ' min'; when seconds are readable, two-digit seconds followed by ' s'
7 h 01 min
